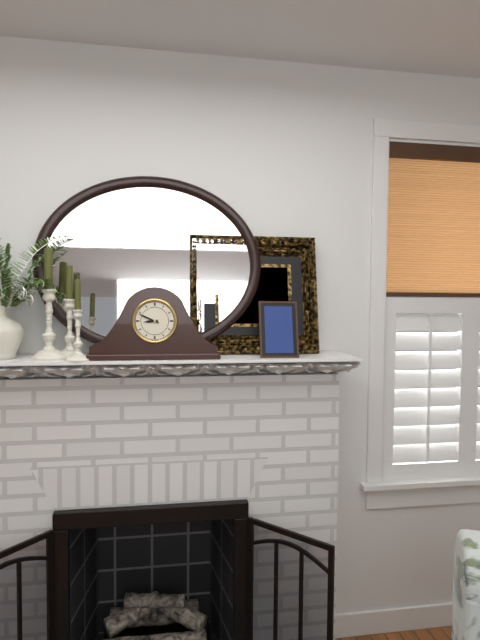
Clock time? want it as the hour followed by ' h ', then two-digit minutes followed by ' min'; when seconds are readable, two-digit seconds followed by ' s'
8 h 49 min
